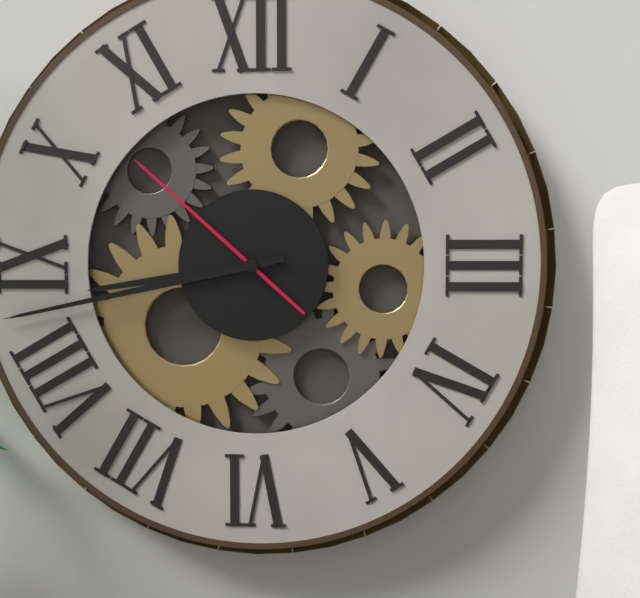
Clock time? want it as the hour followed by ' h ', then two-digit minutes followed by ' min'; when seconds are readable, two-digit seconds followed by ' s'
8 h 43 min 52 s
